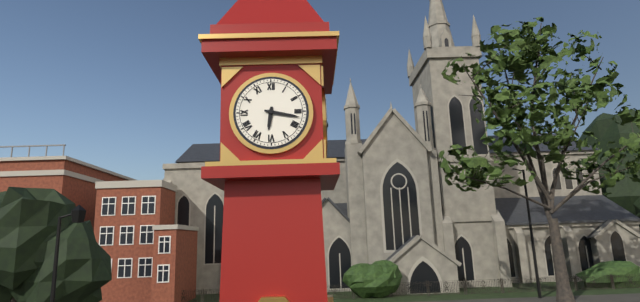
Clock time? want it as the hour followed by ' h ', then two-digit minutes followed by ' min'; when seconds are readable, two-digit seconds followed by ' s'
6 h 17 min
